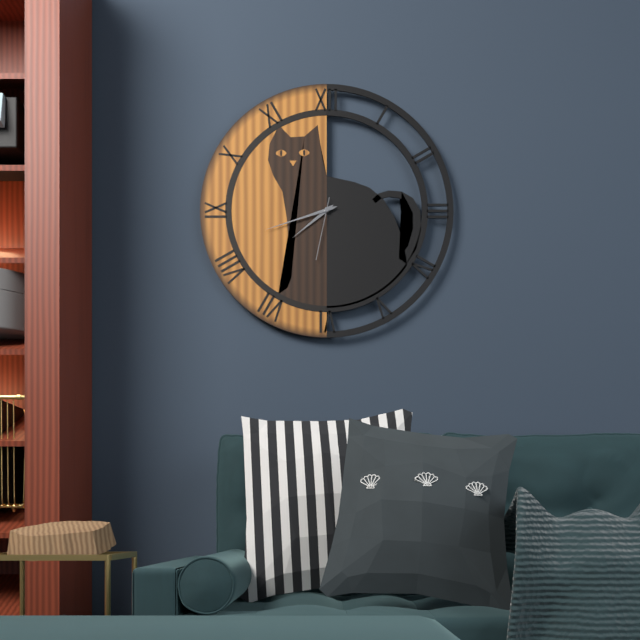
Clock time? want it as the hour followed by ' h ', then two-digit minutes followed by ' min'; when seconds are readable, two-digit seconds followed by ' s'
7 h 42 min 32 s
